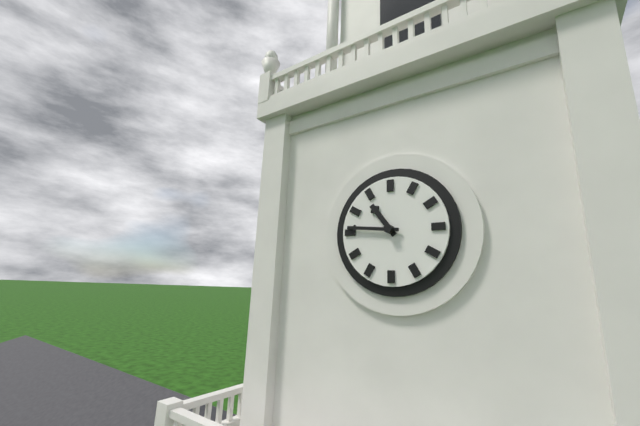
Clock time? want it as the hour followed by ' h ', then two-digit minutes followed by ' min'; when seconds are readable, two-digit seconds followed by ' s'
10 h 46 min
